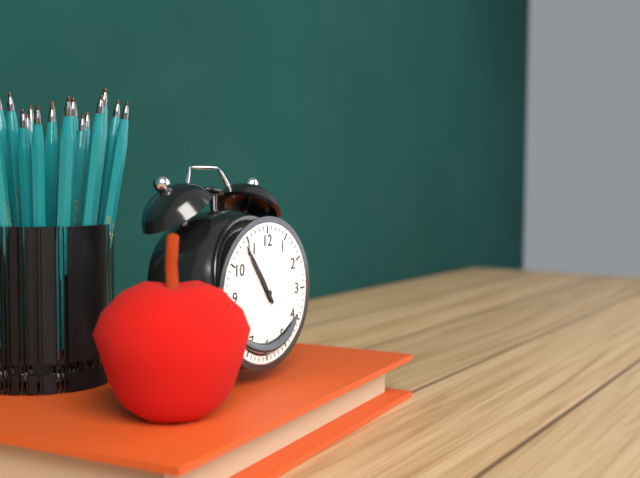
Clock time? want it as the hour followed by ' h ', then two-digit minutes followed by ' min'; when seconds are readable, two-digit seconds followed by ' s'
10 h 54 min
